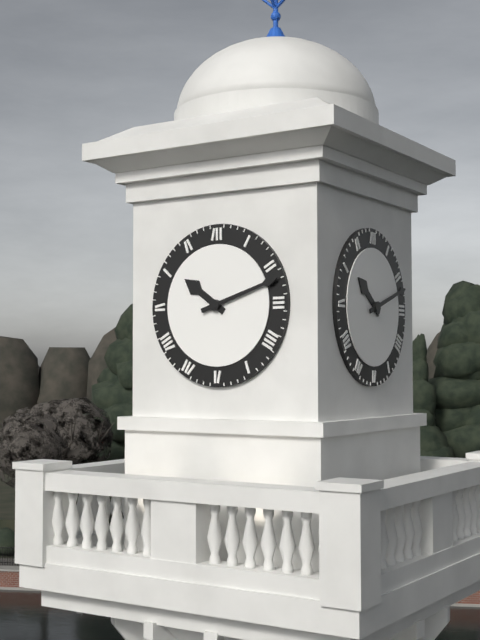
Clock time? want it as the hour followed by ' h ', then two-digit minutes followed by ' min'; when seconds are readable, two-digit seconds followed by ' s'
10 h 12 min
